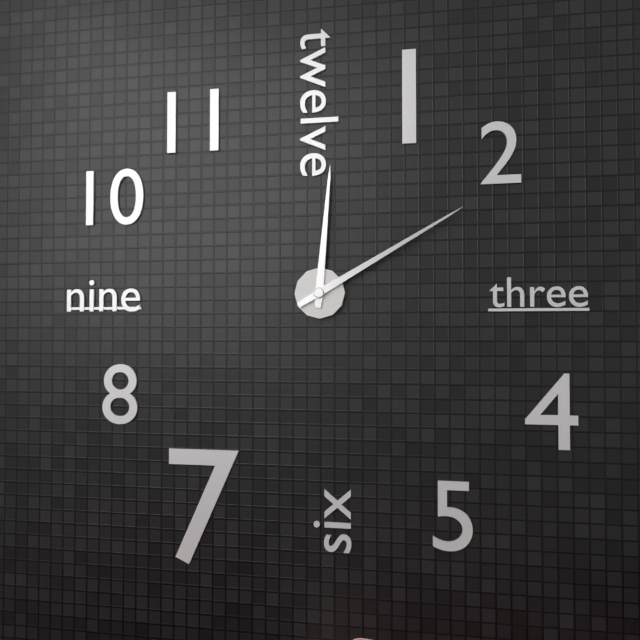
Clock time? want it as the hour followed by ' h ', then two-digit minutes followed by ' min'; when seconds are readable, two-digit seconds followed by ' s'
12 h 10 min
